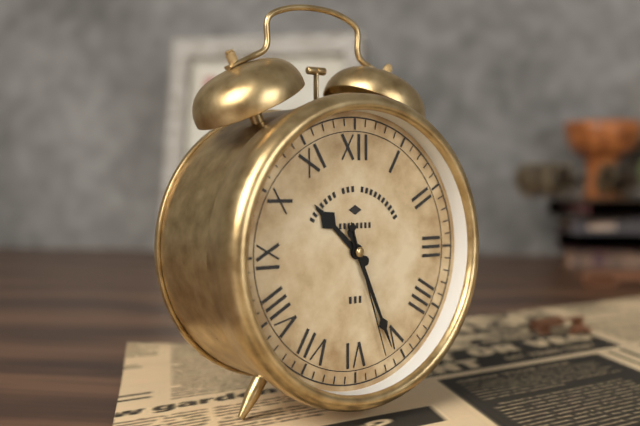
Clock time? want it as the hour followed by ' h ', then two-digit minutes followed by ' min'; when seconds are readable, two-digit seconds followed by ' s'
10 h 26 min 27 s
